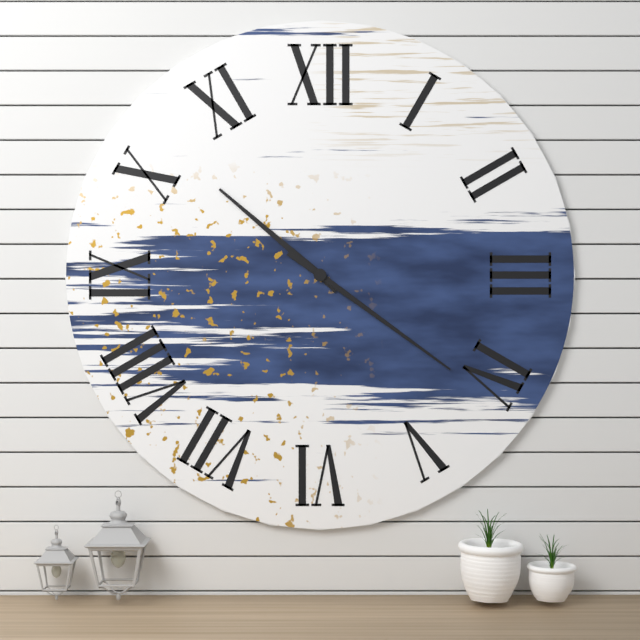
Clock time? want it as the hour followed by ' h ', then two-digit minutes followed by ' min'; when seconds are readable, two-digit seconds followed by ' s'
10 h 21 min
